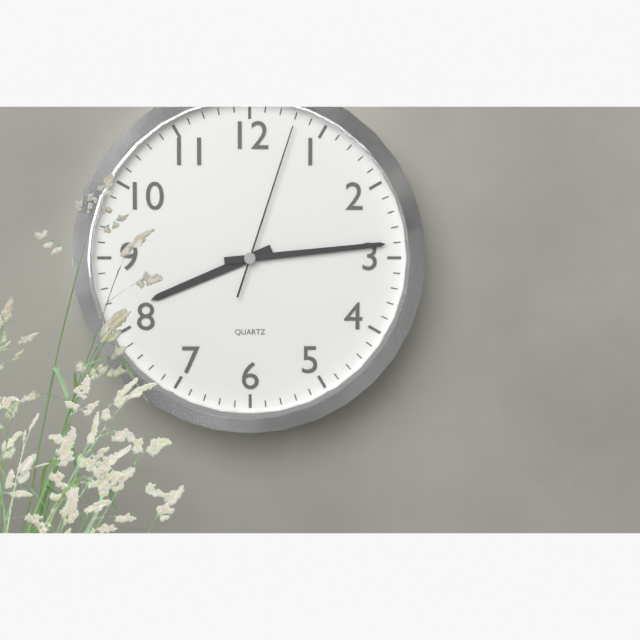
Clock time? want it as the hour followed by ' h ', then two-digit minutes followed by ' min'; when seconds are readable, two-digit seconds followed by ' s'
8 h 14 min 03 s
